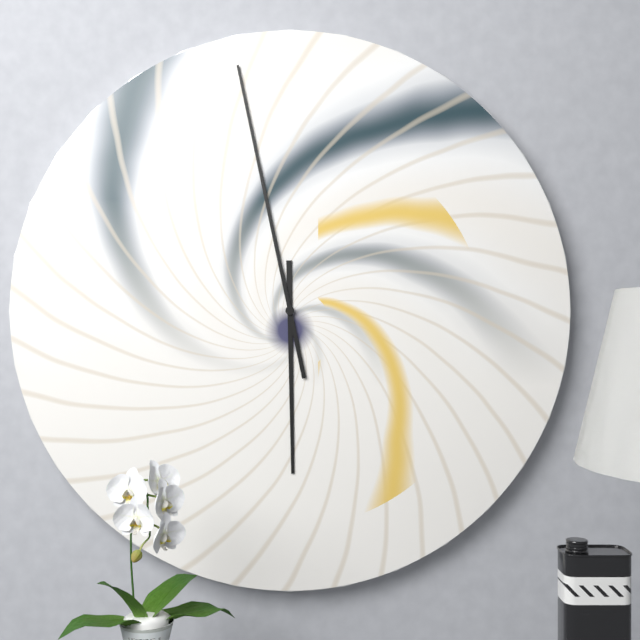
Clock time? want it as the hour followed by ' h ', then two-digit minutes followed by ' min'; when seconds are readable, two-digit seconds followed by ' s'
5 h 58 min
